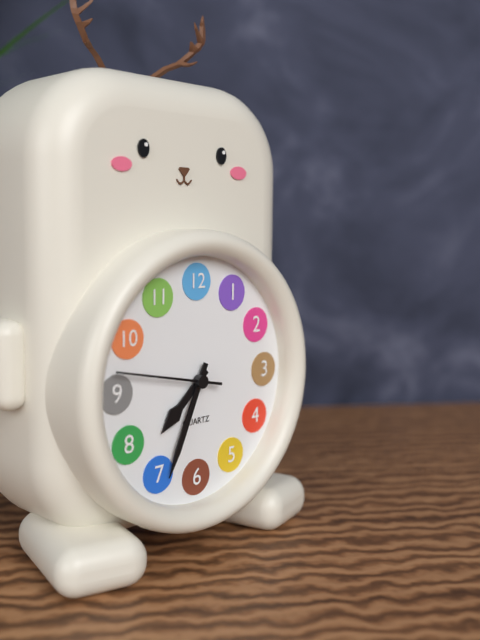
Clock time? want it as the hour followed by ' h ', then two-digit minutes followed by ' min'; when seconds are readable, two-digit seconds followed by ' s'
7 h 34 min 47 s
